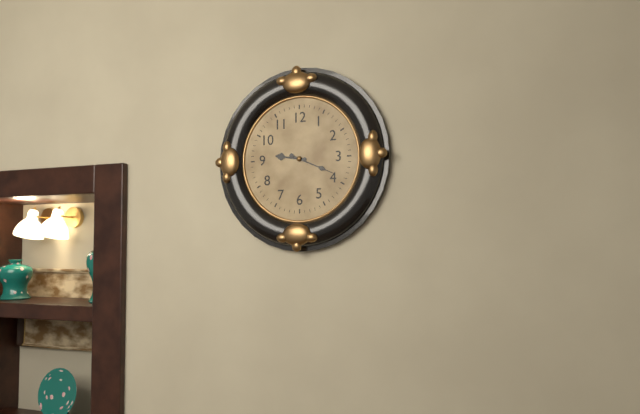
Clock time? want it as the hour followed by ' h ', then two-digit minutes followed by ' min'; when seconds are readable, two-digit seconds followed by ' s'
9 h 19 min
